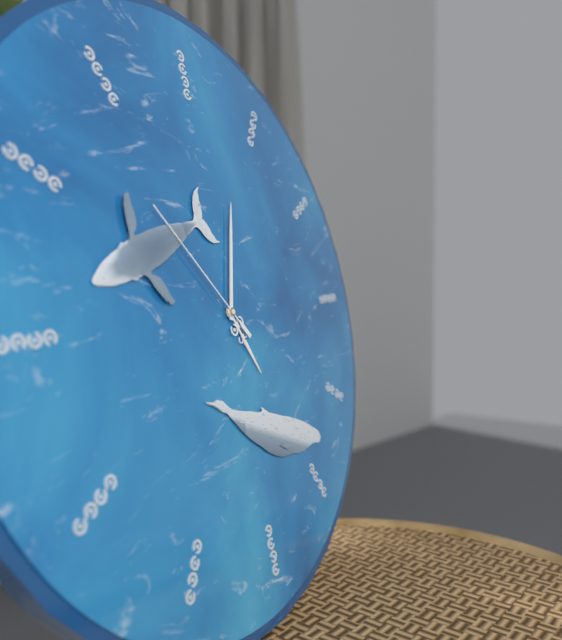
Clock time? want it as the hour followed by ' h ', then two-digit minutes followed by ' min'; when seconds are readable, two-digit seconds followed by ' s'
5 h 03 min 53 s
